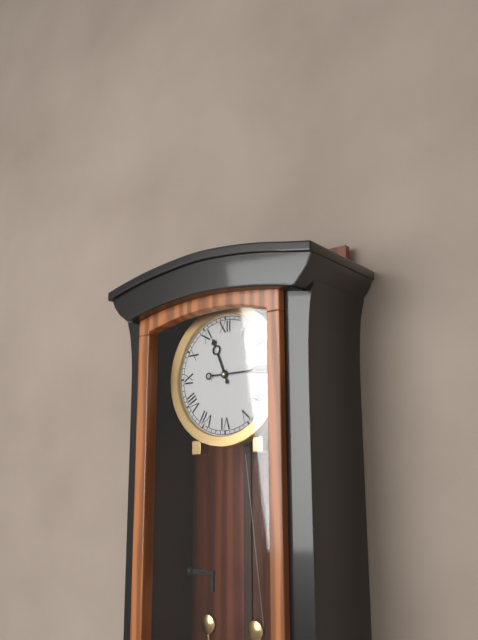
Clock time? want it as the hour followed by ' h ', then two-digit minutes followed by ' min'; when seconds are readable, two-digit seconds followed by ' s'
11 h 15 min
